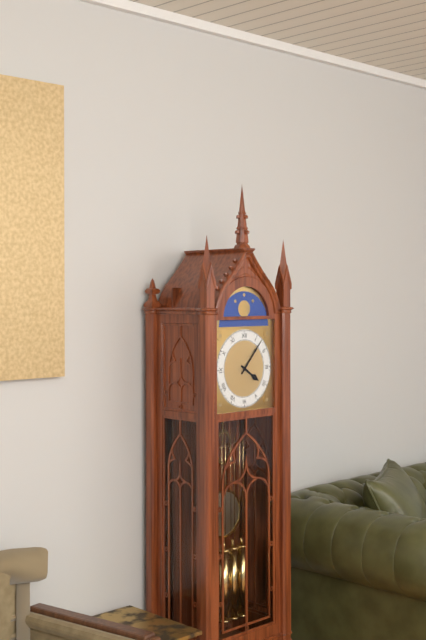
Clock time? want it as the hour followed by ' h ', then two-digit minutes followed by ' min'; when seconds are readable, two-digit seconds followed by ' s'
4 h 07 min
